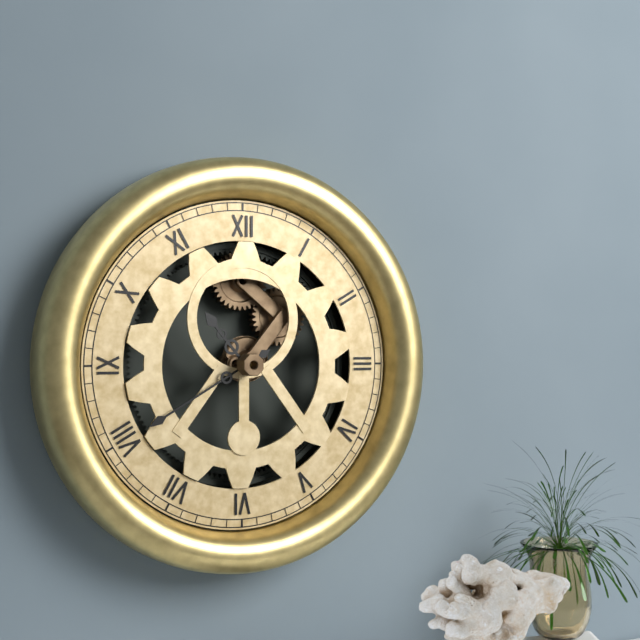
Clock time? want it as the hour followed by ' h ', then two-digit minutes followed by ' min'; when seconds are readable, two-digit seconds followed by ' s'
10 h 40 min
